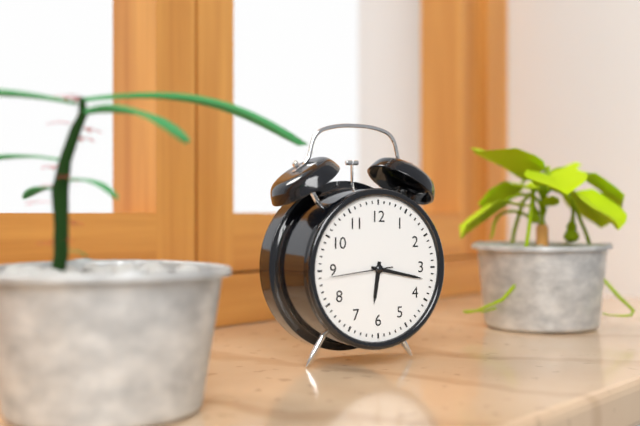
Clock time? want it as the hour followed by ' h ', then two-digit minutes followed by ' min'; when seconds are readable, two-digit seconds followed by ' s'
6 h 17 min 44 s
